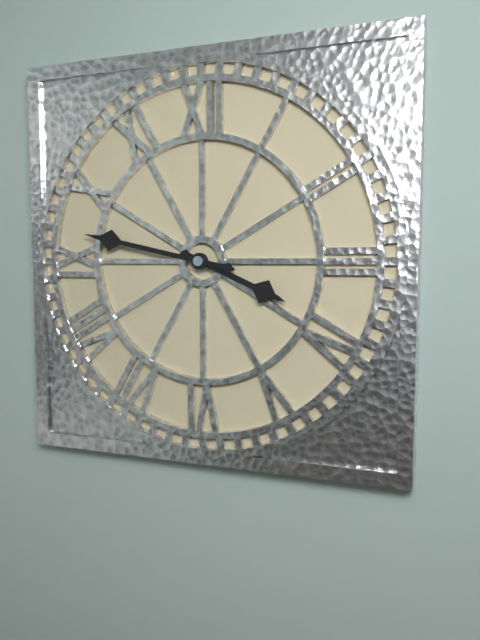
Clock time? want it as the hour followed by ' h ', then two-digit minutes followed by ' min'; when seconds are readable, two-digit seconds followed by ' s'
3 h 47 min
